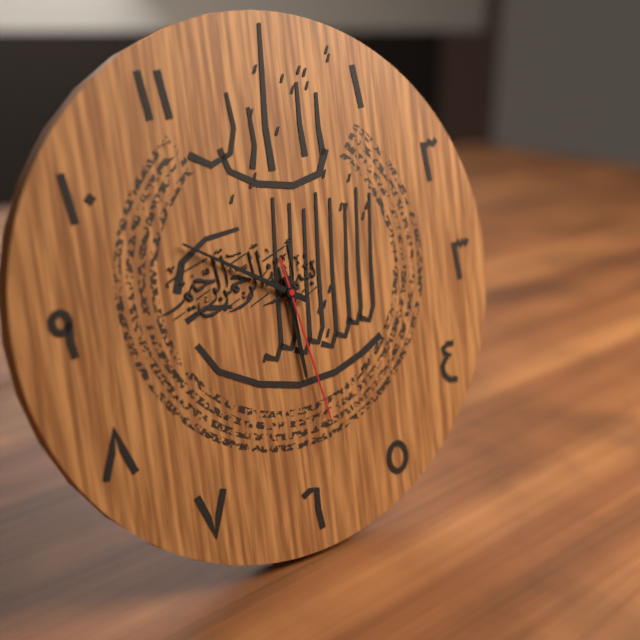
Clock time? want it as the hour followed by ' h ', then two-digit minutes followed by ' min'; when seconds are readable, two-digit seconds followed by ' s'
5 h 50 min 28 s
